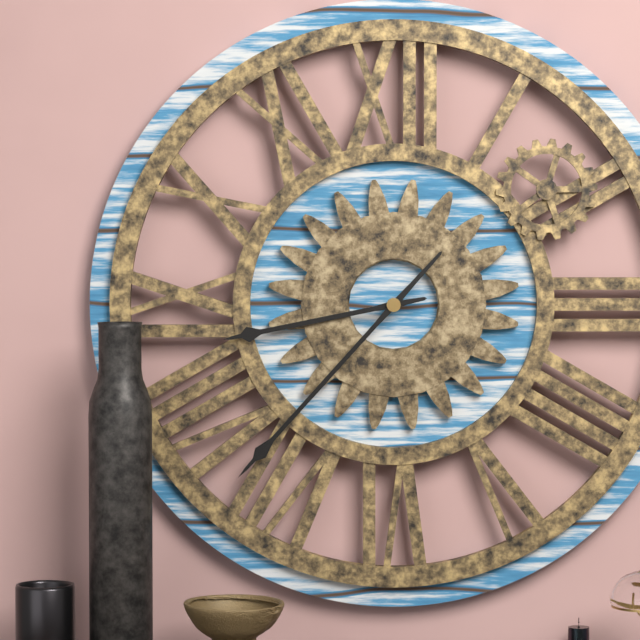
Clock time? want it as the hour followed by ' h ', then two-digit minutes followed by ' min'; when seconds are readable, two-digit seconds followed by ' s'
8 h 37 min
